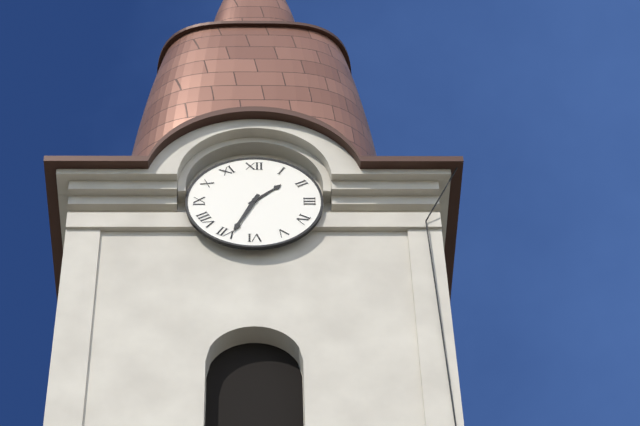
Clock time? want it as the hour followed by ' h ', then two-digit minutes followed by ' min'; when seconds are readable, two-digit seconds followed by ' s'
1 h 34 min
